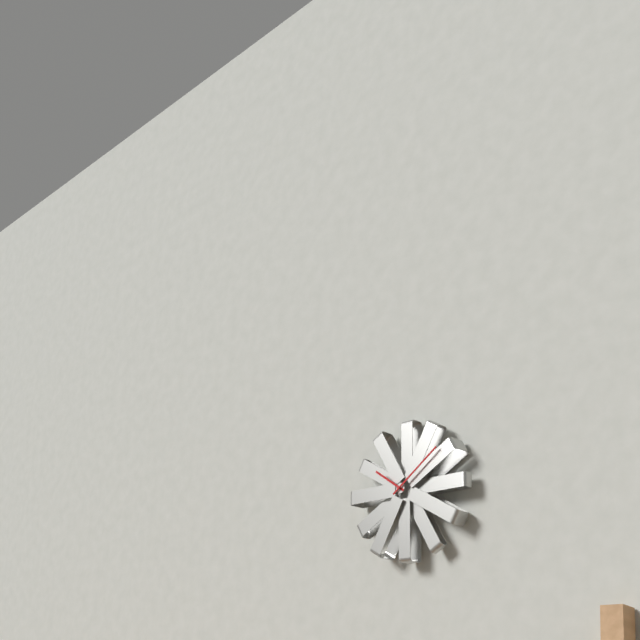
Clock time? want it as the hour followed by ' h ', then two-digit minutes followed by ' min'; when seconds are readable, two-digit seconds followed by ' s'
10 h 09 min
